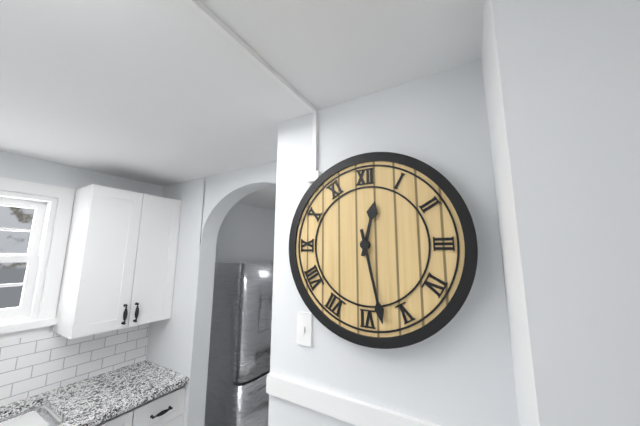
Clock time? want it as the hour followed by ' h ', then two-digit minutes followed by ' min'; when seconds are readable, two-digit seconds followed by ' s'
12 h 28 min
